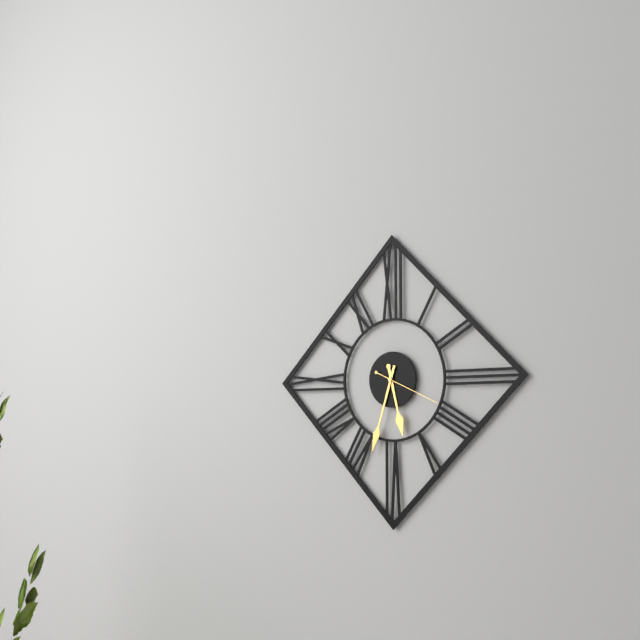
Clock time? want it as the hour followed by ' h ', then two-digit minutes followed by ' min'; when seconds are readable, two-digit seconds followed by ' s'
5 h 33 min 19 s
